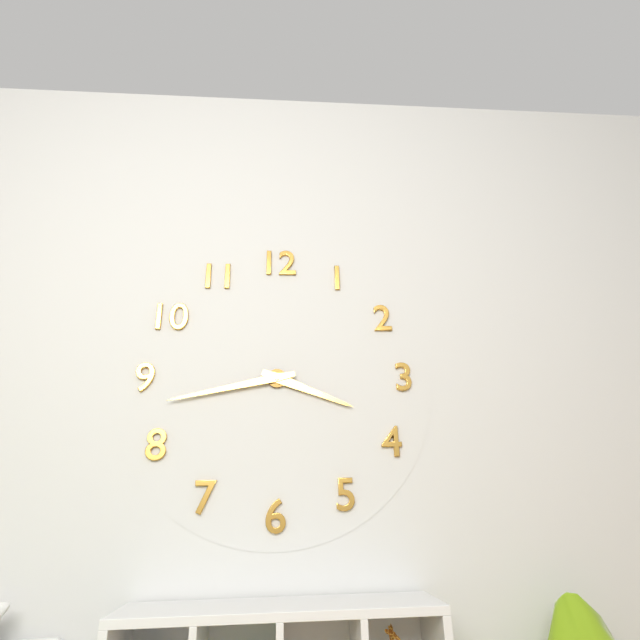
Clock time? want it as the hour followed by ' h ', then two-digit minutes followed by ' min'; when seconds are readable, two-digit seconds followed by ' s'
3 h 43 min
